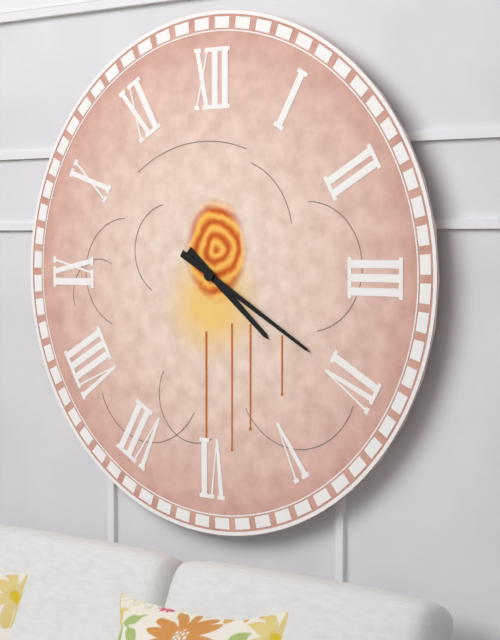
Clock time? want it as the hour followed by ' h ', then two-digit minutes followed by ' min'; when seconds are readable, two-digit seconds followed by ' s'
4 h 20 min
